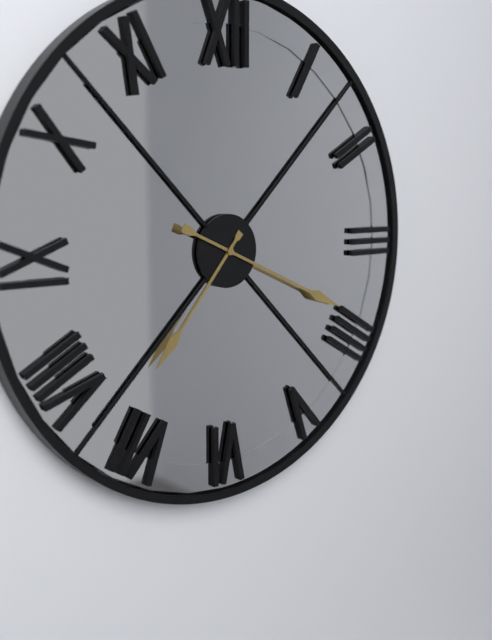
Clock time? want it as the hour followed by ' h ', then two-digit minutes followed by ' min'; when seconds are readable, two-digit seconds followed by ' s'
7 h 19 min
